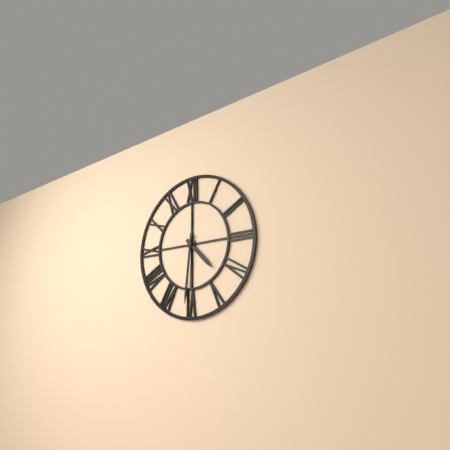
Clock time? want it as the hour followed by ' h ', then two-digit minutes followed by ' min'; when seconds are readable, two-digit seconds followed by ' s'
4 h 31 min
